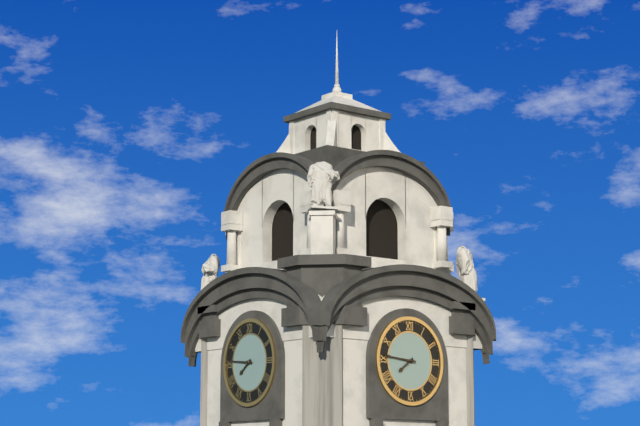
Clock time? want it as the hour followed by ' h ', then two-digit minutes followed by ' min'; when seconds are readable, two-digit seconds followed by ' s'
7 h 46 min
